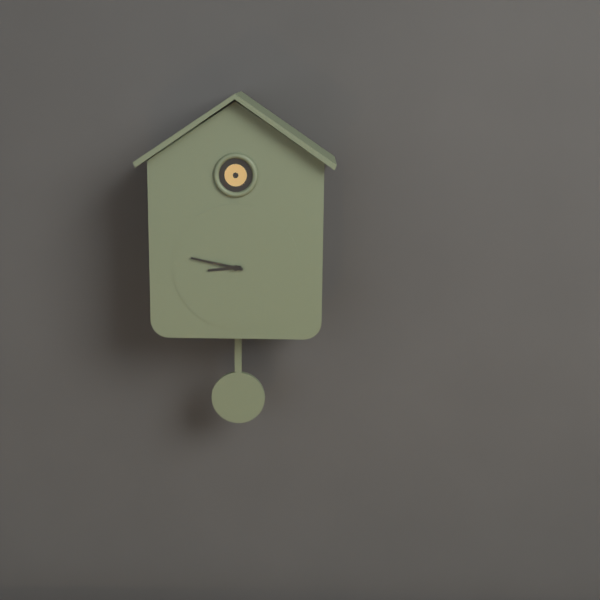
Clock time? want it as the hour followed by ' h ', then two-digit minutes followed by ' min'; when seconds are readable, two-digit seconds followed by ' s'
8 h 47 min
